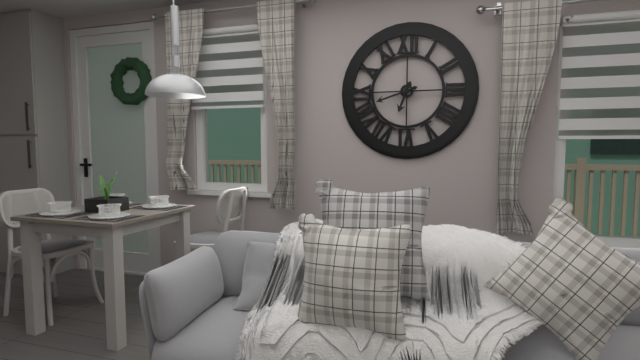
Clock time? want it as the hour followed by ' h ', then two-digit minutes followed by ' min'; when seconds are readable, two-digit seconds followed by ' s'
6 h 42 min
